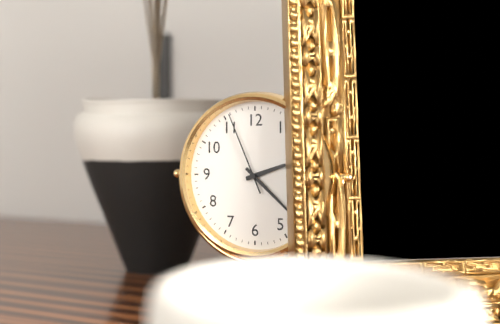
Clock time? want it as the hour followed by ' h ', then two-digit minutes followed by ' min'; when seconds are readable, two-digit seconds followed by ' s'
2 h 22 min 56 s
